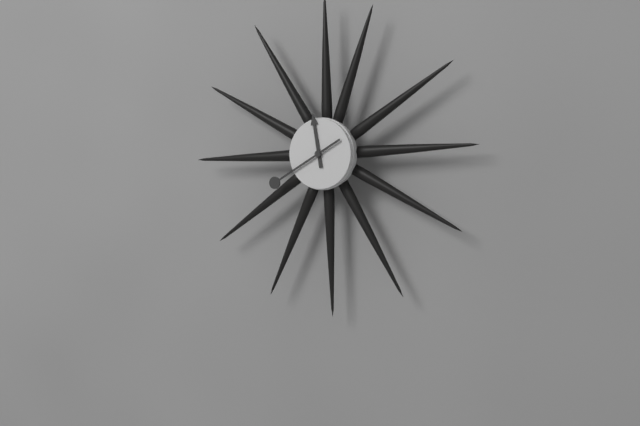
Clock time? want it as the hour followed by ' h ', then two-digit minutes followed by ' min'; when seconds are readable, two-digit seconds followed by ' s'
11 h 40 min
